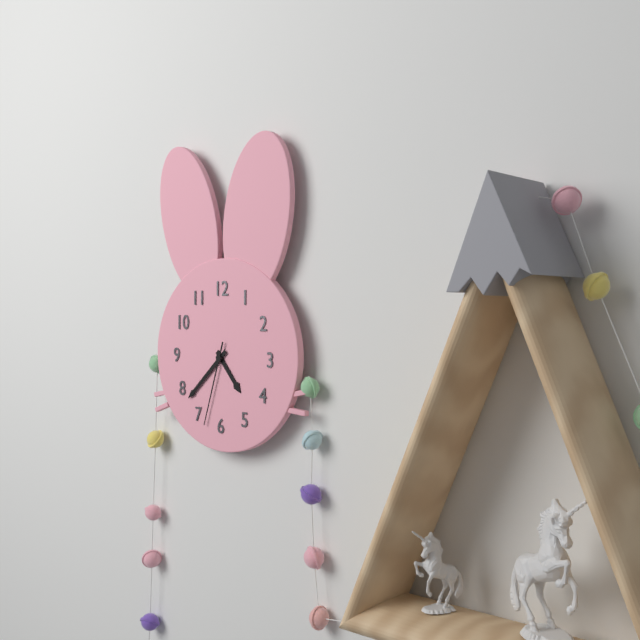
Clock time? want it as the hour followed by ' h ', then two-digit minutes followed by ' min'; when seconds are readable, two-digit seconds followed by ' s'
4 h 38 min 33 s
